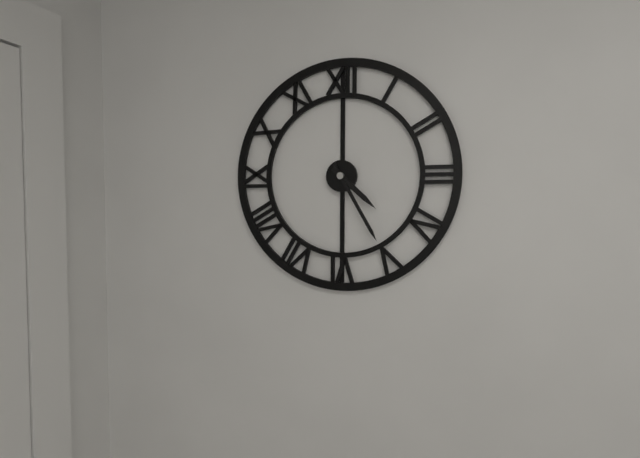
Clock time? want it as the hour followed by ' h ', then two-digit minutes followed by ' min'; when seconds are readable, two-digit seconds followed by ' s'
4 h 25 min
